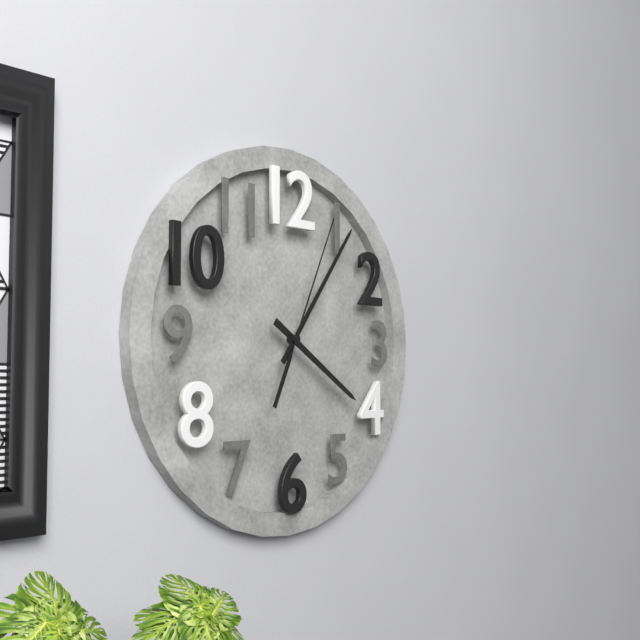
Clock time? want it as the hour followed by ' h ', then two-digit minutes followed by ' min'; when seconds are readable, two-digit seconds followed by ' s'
4 h 06 min 04 s
